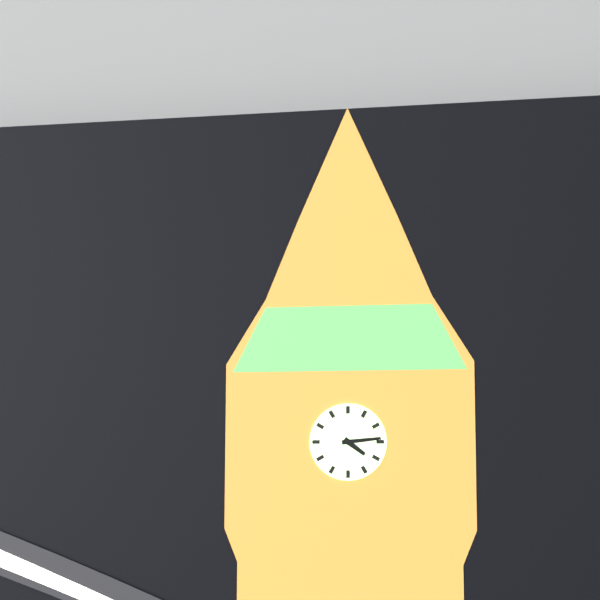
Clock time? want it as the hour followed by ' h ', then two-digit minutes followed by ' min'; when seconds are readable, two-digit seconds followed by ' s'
4 h 14 min
